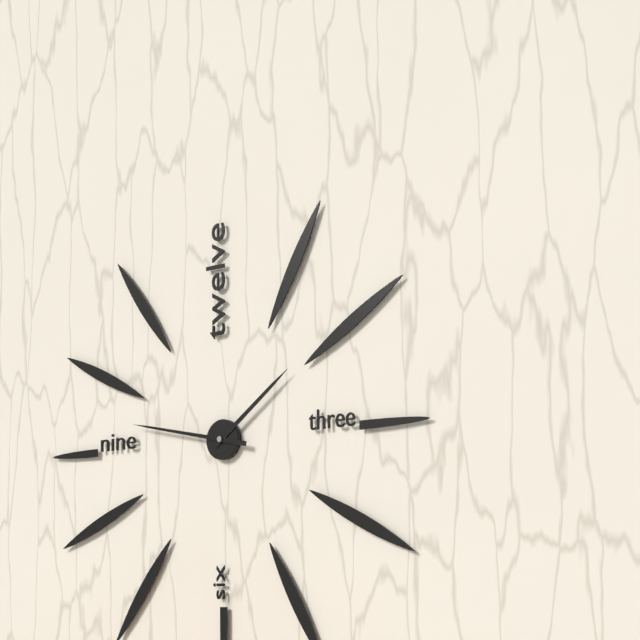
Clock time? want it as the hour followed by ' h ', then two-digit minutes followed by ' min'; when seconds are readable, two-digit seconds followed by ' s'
1 h 47 min
